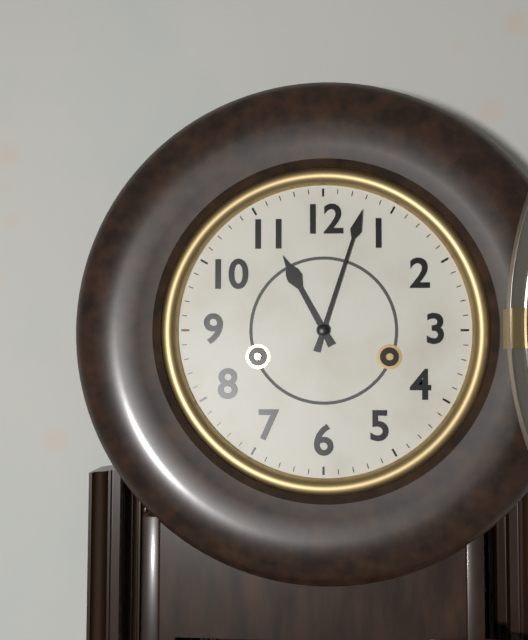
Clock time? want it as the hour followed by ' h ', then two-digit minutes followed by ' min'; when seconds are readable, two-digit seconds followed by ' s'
11 h 03 min
